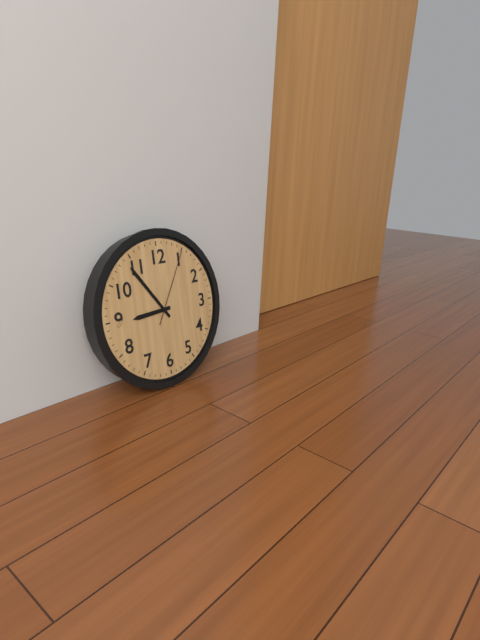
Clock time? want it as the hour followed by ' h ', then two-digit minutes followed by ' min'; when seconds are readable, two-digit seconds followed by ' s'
8 h 54 min 05 s
